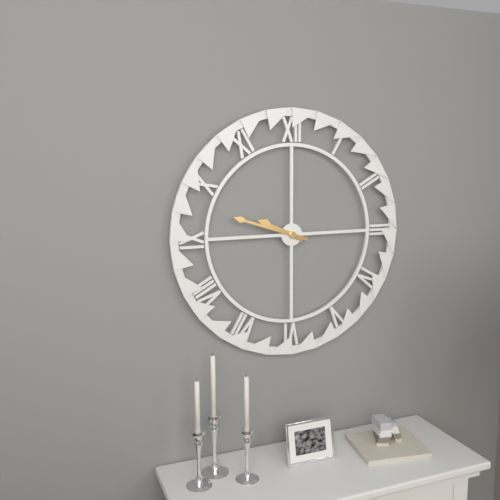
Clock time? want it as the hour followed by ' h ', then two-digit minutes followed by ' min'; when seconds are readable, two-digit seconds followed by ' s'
9 h 48 min
